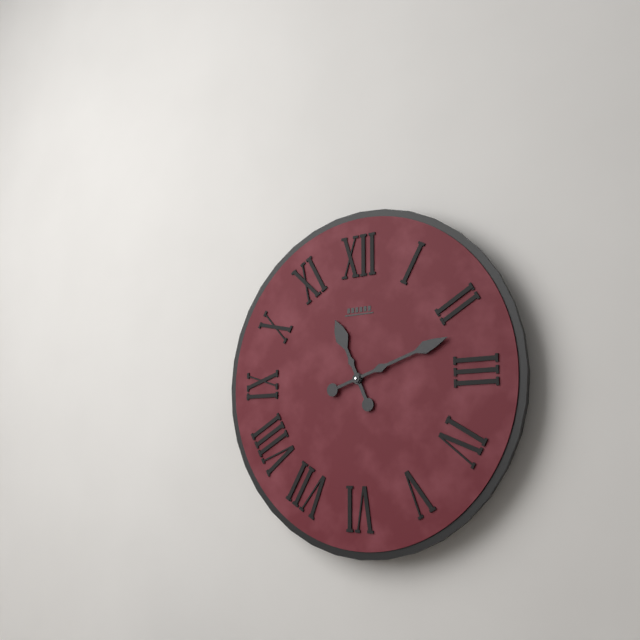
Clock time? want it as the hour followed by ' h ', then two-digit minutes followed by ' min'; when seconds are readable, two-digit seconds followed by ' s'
11 h 12 min
